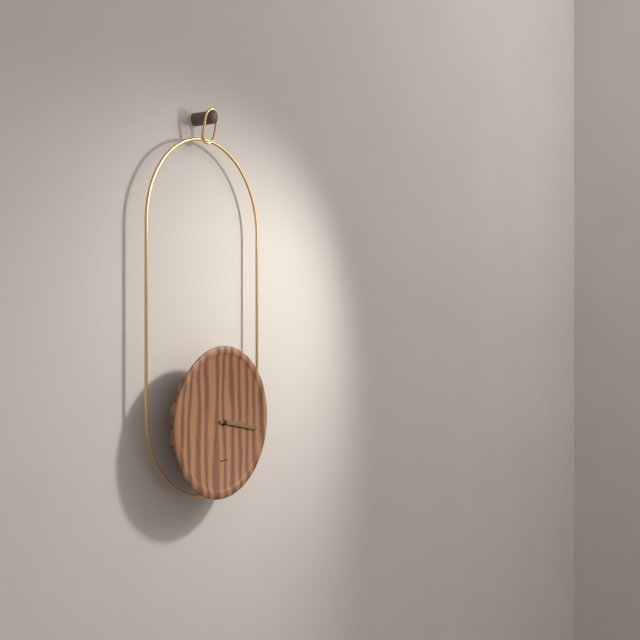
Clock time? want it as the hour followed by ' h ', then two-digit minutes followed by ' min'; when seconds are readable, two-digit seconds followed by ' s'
3 h 17 min
